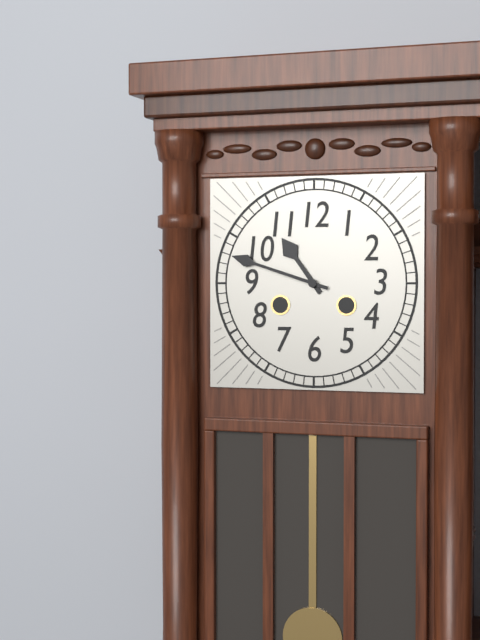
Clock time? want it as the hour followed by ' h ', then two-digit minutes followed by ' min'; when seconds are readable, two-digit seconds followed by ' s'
10 h 48 min
